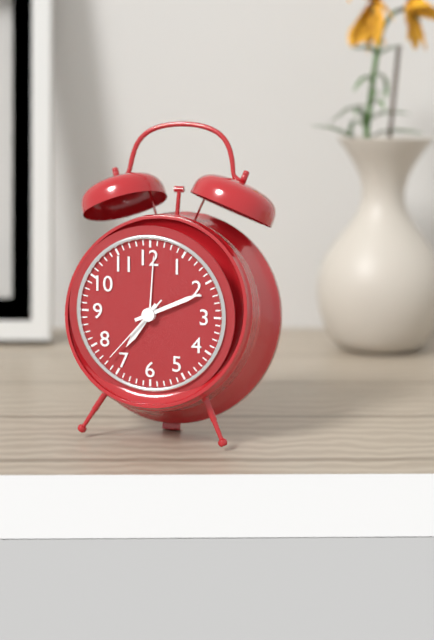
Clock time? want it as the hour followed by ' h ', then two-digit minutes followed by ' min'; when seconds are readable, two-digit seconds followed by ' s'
7 h 11 min 37 s
